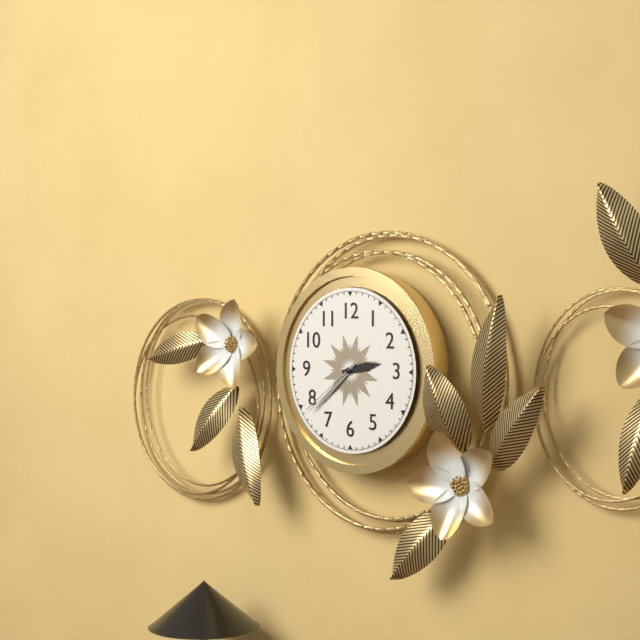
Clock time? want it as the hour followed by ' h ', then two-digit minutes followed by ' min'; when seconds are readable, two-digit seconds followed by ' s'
2 h 38 min 39 s
